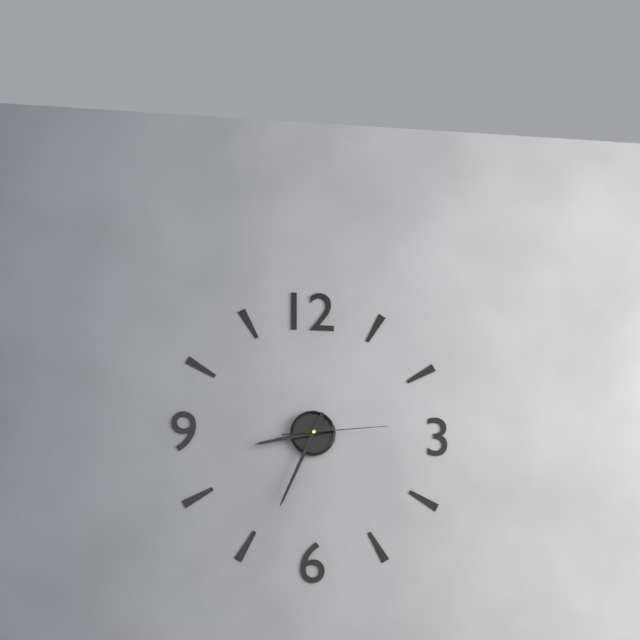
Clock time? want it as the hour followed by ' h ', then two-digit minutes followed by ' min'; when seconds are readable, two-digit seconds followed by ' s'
8 h 34 min 14 s
